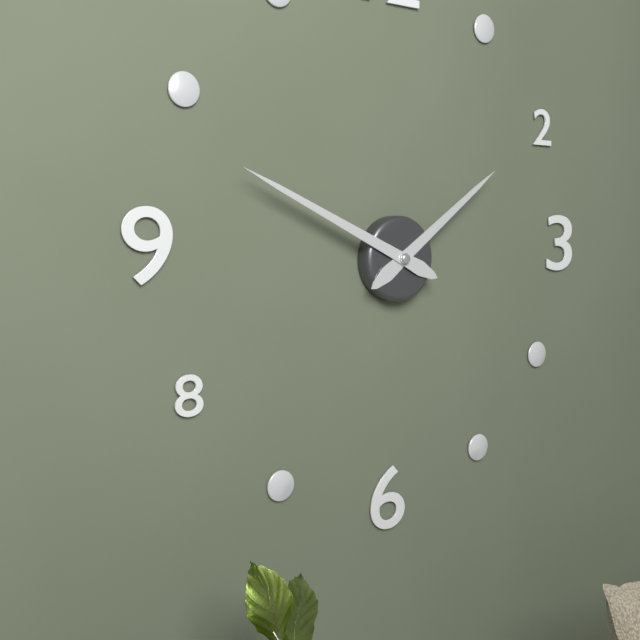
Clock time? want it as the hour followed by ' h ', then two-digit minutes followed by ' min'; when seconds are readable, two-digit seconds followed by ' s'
1 h 49 min
